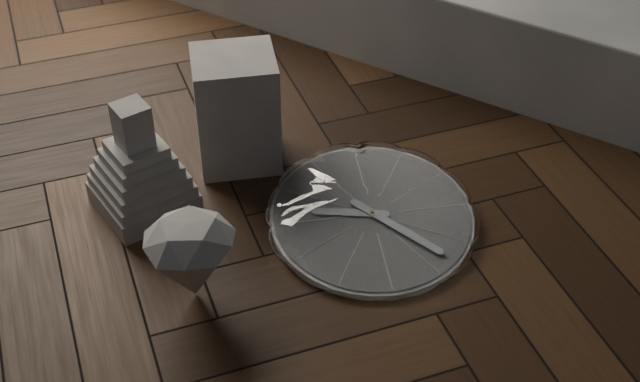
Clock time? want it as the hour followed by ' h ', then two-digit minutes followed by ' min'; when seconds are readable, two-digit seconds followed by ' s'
9 h 23 min
